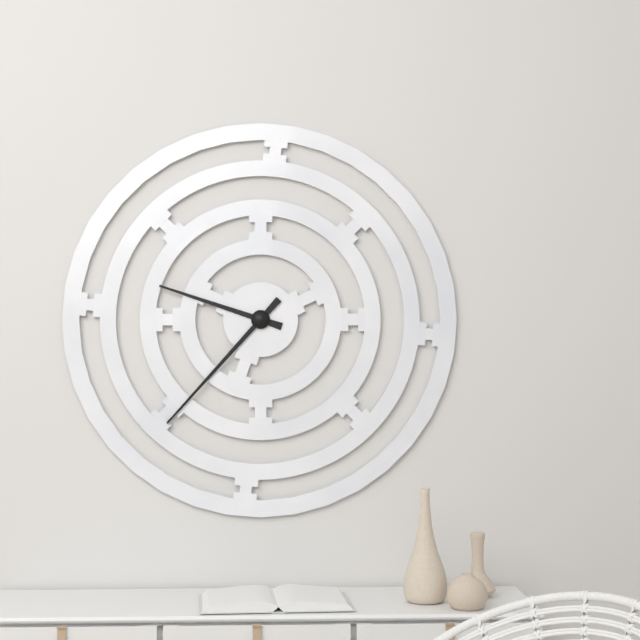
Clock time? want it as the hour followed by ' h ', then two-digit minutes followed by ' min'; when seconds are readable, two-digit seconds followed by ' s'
9 h 37 min
